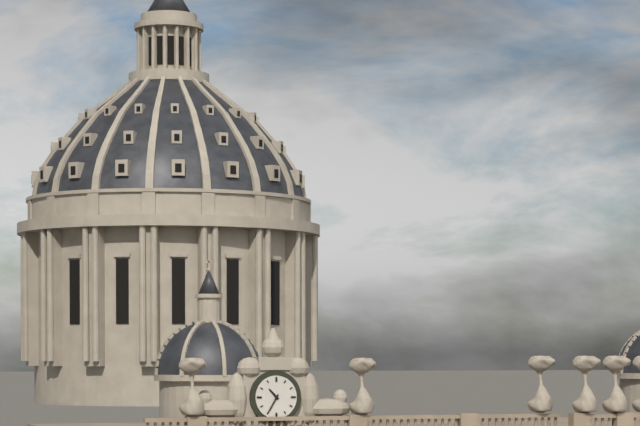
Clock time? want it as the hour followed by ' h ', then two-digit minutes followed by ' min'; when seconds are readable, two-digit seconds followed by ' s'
10 h 35 min
